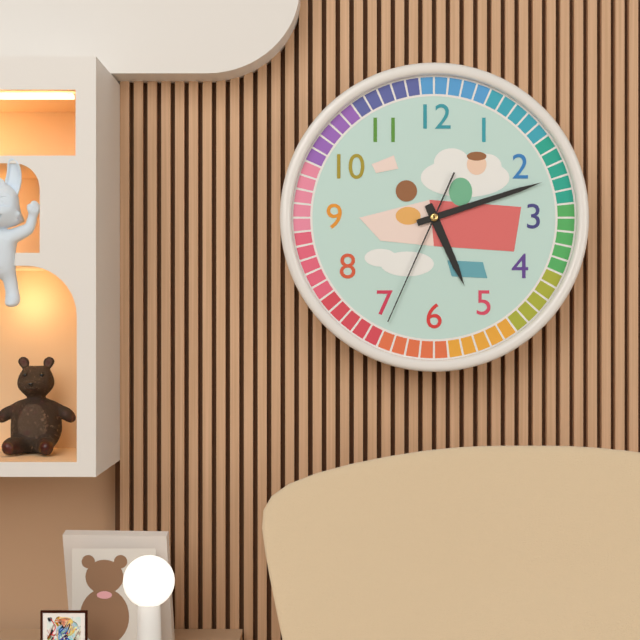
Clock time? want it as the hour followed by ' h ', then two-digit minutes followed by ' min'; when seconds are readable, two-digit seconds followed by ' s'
5 h 12 min 34 s
